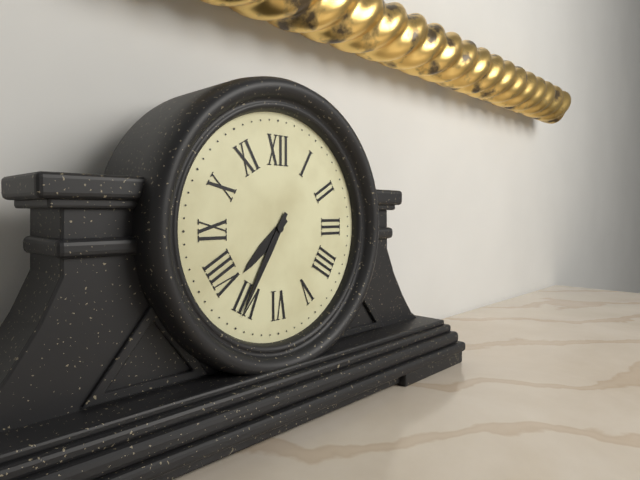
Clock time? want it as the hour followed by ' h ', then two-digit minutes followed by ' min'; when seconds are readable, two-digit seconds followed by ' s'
7 h 35 min
